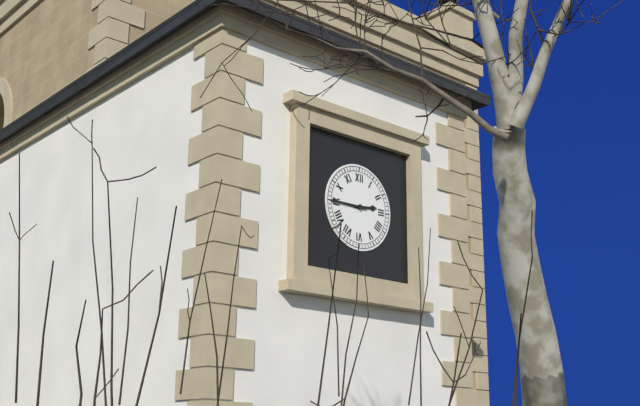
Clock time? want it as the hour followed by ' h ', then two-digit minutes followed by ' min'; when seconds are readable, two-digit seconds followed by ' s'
2 h 45 min
